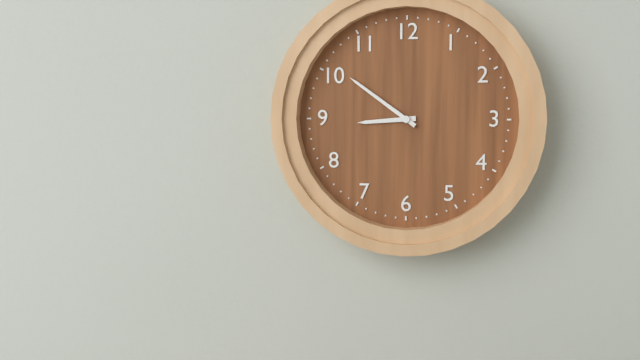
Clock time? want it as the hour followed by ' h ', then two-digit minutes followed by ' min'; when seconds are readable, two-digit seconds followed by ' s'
8 h 51 min
